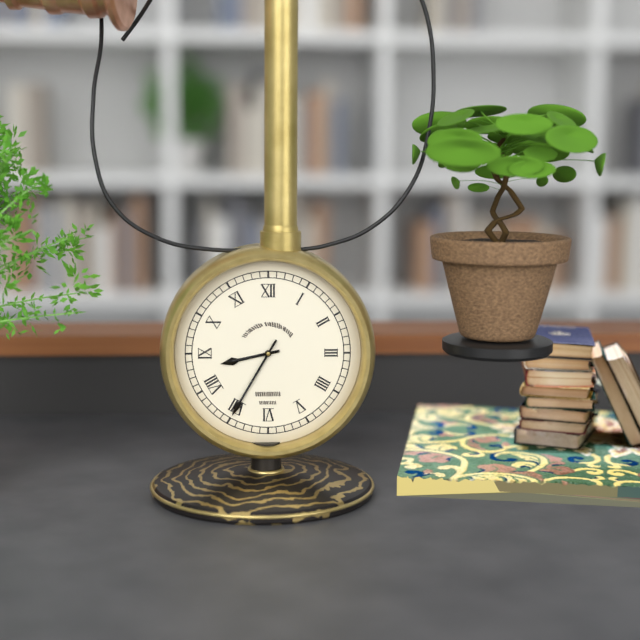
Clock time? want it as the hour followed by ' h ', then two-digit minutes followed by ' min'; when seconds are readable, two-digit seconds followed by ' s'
8 h 35 min
